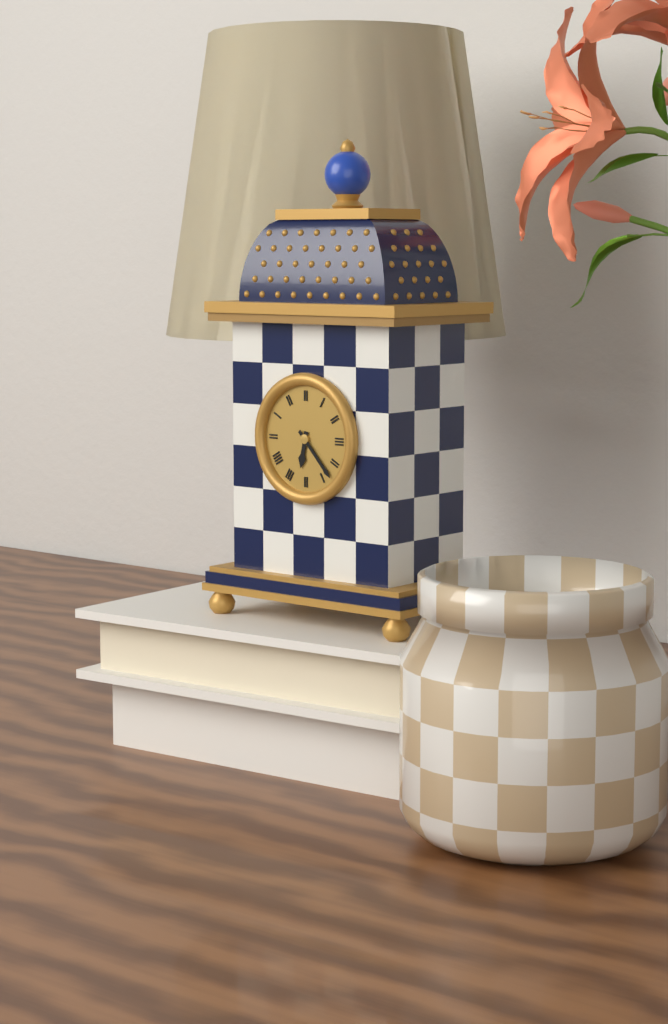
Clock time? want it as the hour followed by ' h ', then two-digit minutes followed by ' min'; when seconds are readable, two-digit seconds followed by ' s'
6 h 23 min
